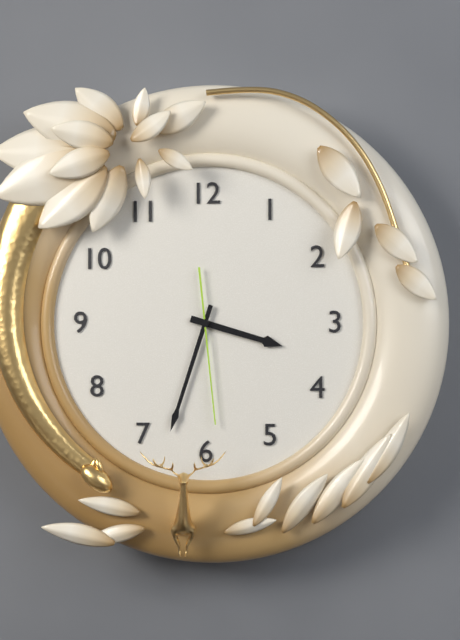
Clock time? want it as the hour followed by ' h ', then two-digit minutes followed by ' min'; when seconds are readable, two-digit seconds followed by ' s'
3 h 33 min 29 s
